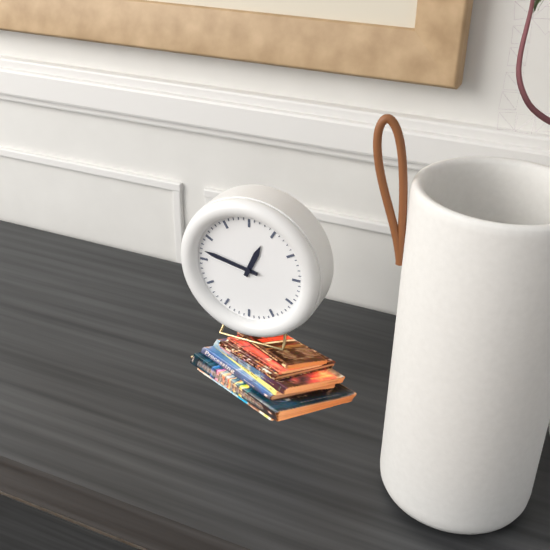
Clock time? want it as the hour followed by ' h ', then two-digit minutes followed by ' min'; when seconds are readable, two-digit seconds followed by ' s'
12 h 47 min
